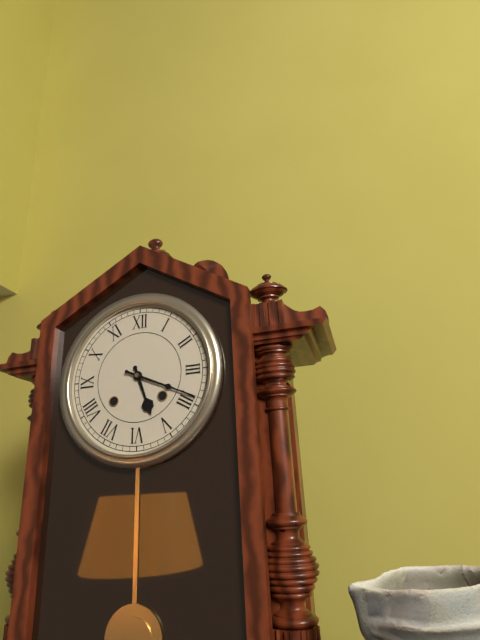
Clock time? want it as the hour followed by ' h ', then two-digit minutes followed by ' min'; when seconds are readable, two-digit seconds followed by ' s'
5 h 19 min
